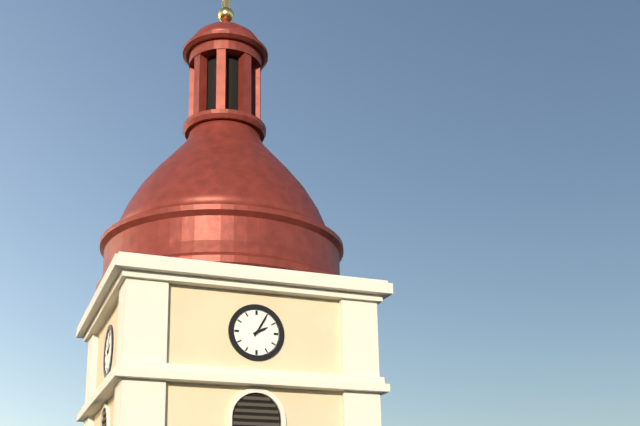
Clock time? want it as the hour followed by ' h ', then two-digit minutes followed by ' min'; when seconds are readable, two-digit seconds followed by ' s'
2 h 05 min
